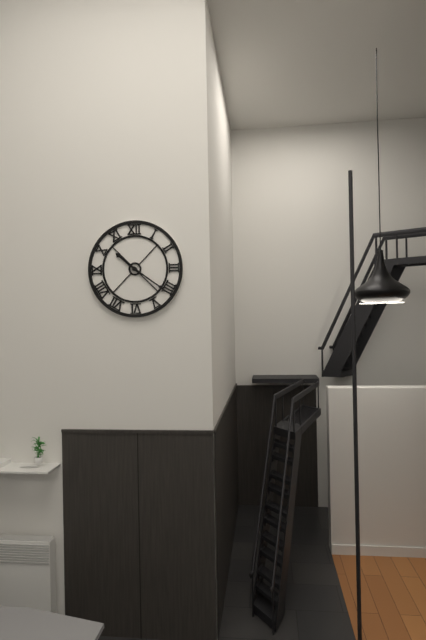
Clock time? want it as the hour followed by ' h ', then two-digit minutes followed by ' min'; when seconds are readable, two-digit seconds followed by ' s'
10 h 21 min
